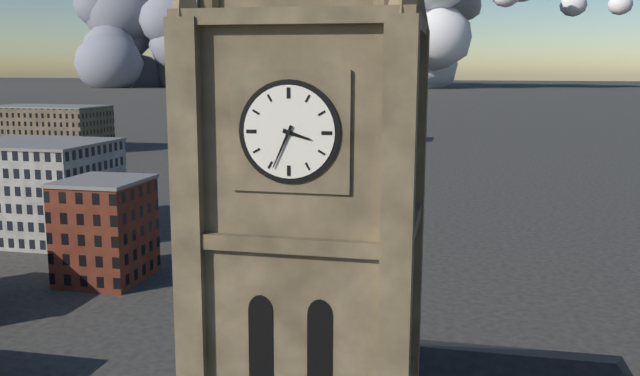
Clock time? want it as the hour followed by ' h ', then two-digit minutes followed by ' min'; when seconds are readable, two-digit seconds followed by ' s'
3 h 34 min
